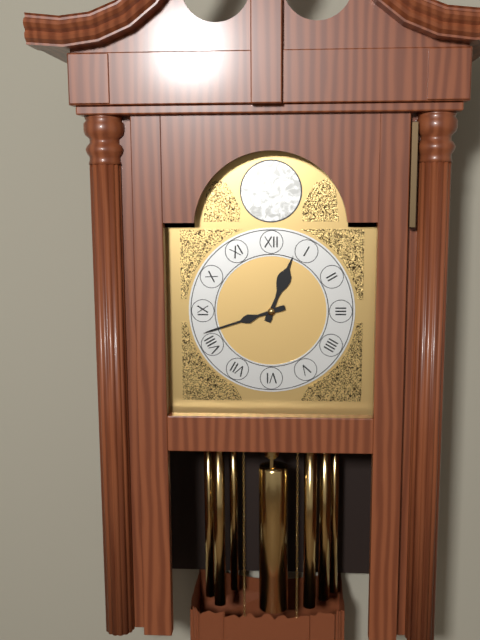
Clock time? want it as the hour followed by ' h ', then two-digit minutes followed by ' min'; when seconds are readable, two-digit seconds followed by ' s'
12 h 42 min
